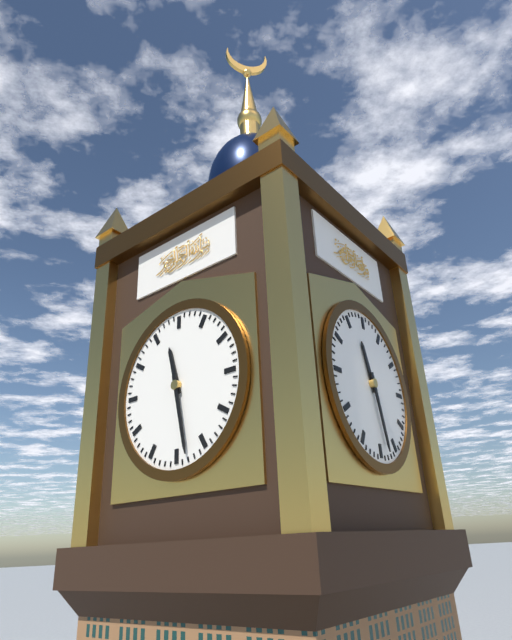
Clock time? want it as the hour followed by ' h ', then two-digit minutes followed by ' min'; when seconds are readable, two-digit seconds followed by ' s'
11 h 28 min
